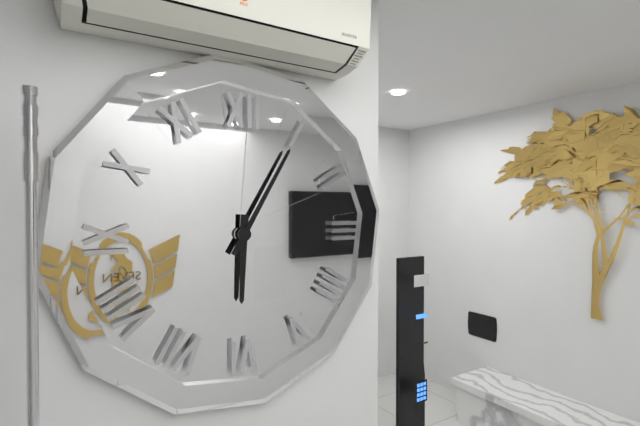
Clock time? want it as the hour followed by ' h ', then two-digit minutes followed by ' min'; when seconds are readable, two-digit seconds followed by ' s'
6 h 05 min
